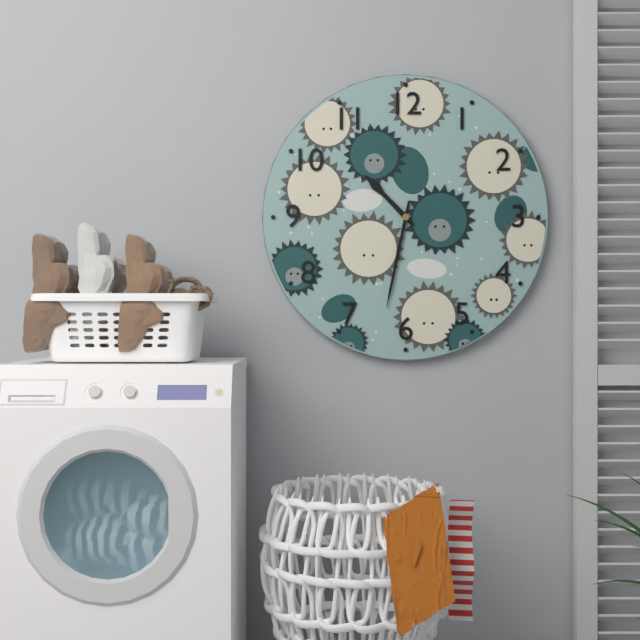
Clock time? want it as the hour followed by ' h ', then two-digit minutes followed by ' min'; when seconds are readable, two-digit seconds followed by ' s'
10 h 32 min
